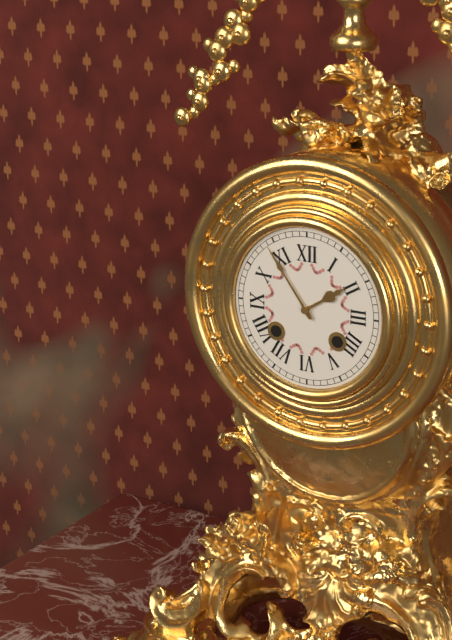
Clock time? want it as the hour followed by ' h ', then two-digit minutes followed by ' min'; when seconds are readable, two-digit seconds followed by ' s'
1 h 54 min
